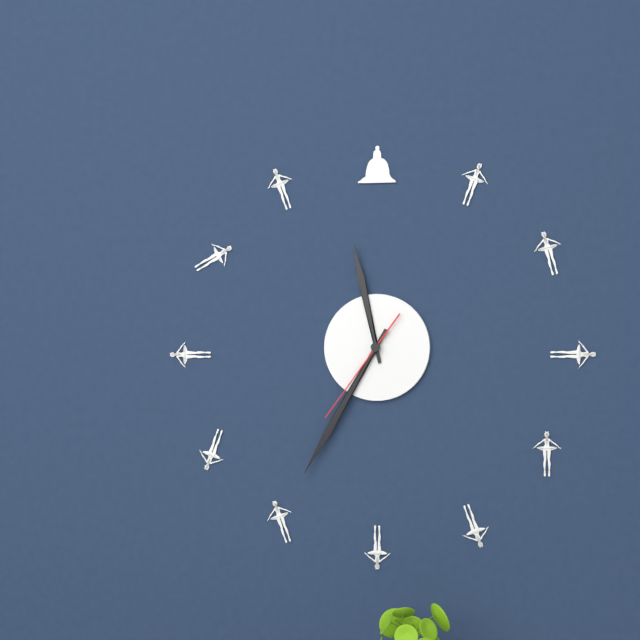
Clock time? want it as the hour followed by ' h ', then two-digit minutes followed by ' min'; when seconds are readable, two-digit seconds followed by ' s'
11 h 35 min 36 s
